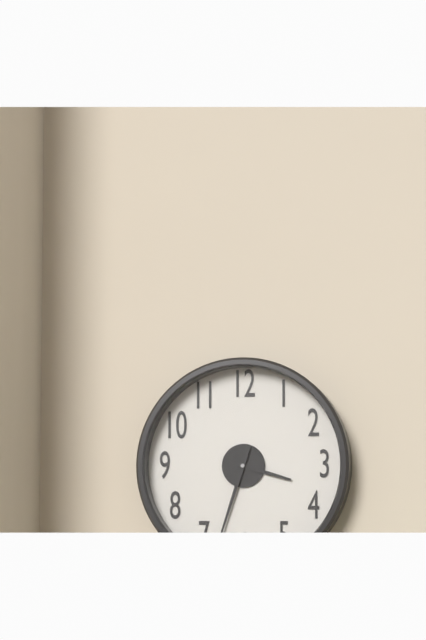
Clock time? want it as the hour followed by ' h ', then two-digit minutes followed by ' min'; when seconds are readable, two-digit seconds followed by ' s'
3 h 33 min
